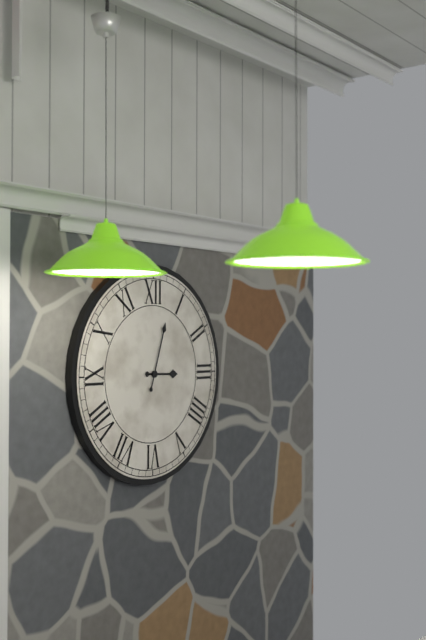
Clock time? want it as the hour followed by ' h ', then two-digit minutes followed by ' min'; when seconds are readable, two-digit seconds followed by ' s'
3 h 03 min
